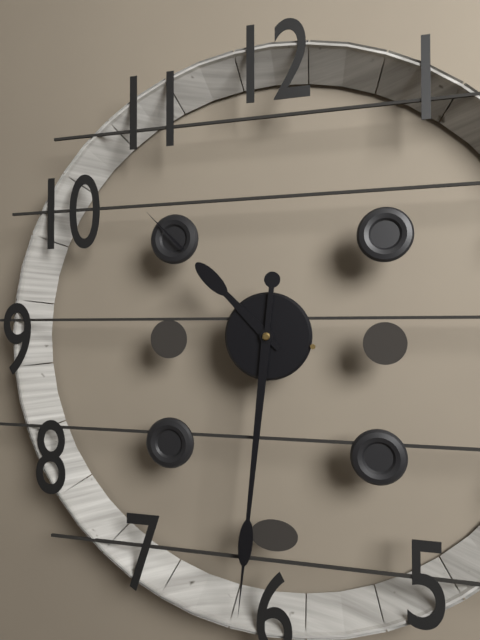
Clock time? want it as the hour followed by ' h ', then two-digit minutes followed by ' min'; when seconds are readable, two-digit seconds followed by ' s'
10 h 31 min
